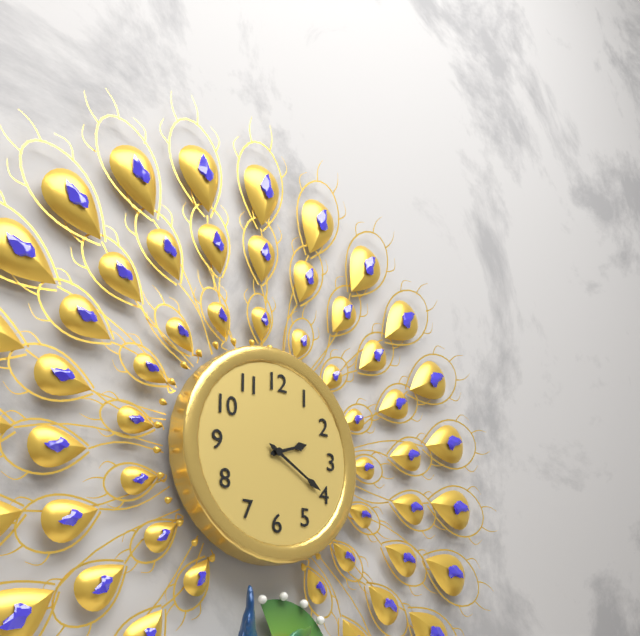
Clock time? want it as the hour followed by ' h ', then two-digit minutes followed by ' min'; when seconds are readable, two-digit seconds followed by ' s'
2 h 20 min
